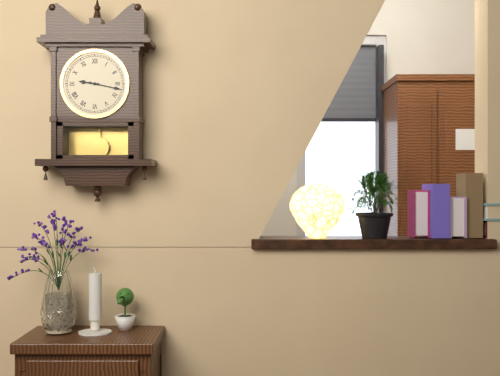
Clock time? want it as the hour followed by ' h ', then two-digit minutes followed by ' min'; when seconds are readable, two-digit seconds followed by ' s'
9 h 17 min
